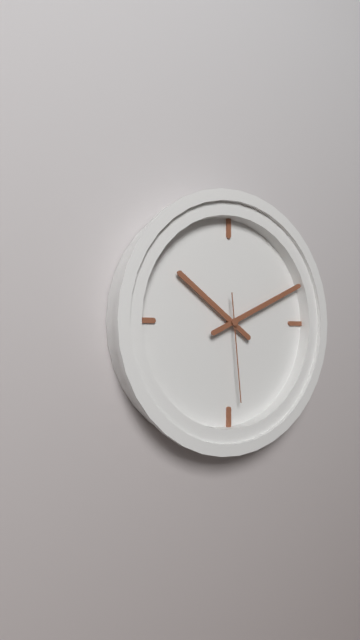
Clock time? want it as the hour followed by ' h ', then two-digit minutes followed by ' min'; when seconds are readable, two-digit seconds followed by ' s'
10 h 11 min 29 s
